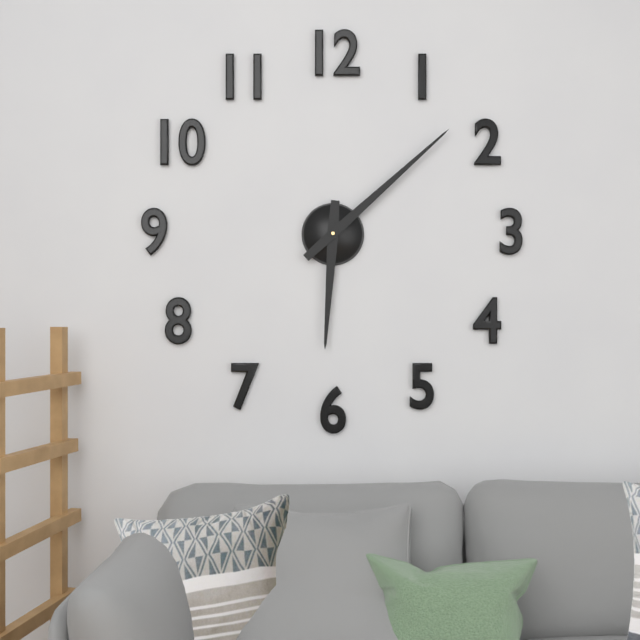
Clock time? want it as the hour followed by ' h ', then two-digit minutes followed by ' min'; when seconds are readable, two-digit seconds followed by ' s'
6 h 08 min
